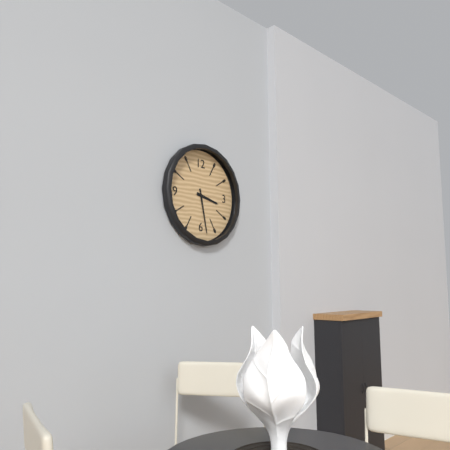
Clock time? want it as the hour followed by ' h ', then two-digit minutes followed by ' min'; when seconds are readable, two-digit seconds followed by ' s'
3 h 28 min
